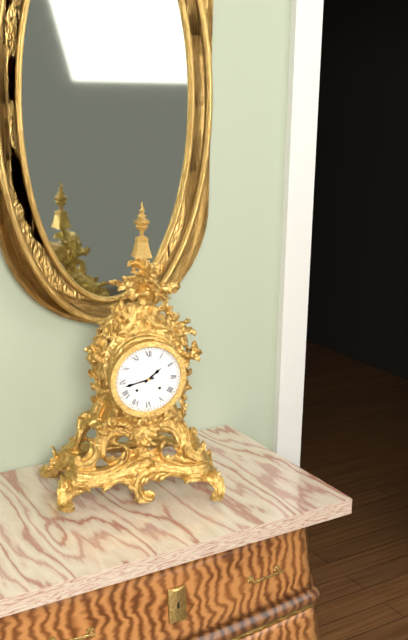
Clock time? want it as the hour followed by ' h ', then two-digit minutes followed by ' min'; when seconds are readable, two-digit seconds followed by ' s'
1 h 43 min
